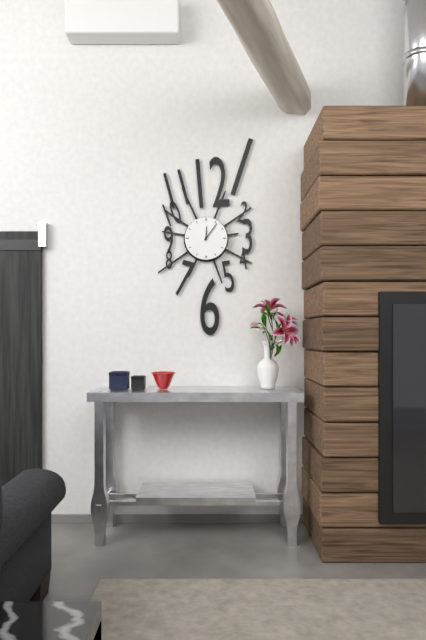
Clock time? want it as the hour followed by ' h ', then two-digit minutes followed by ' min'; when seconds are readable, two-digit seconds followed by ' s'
12 h 06 min
